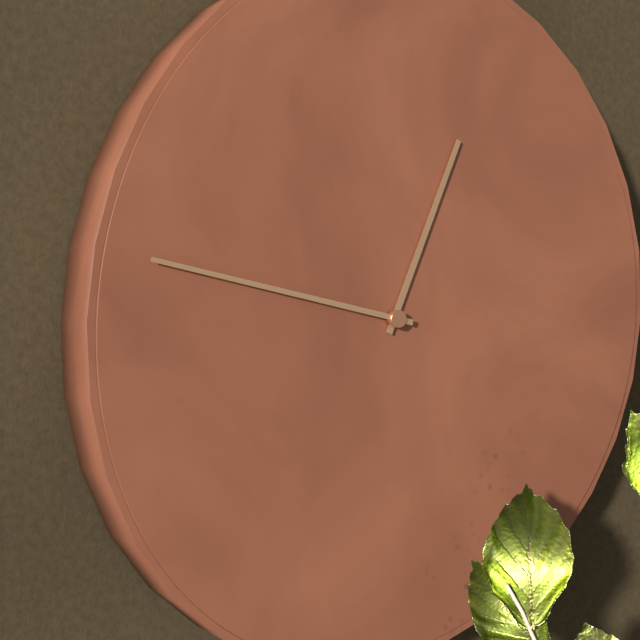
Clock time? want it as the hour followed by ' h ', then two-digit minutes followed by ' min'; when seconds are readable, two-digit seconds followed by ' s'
12 h 47 min
